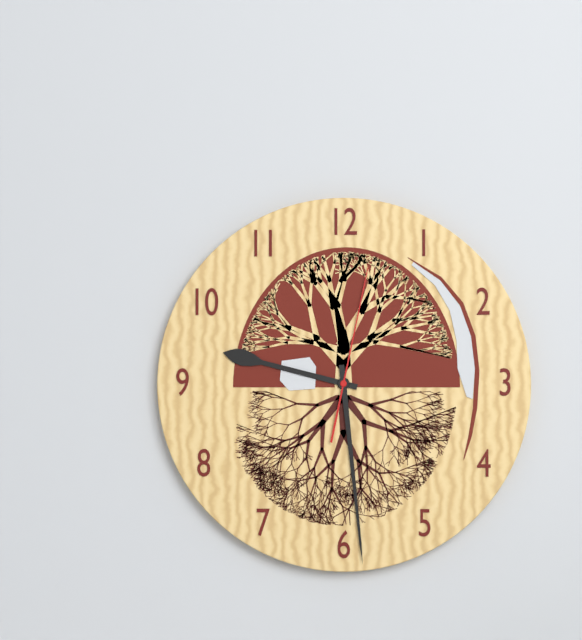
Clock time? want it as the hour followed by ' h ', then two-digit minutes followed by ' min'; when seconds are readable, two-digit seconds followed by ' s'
9 h 29 min 02 s
